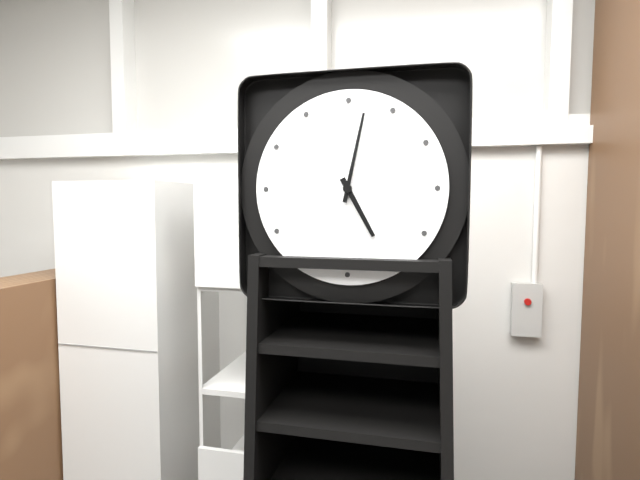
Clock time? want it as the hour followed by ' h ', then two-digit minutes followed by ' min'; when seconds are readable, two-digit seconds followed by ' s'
5 h 02 min
